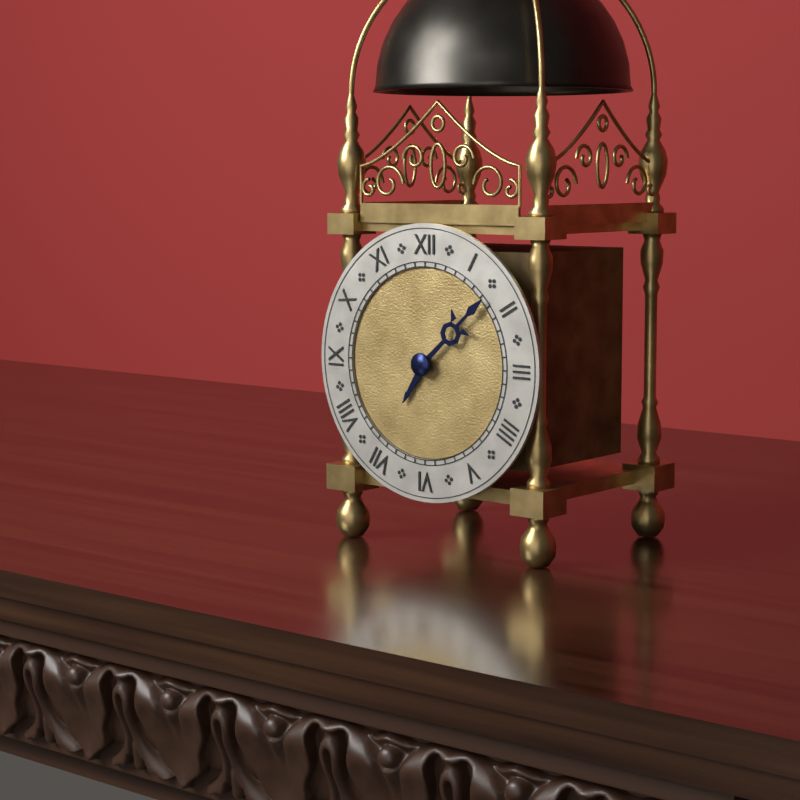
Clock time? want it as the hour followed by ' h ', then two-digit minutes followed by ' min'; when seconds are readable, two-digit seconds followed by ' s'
7 h 08 min
